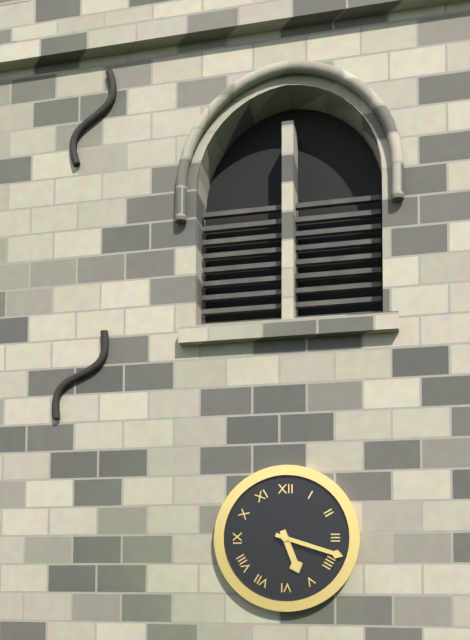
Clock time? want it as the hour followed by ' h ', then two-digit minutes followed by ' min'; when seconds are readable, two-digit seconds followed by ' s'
5 h 18 min
